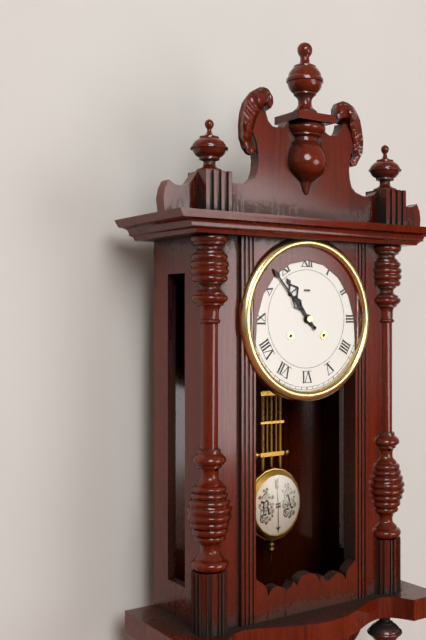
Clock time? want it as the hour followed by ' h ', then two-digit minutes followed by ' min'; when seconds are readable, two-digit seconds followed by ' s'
10 h 53 min
